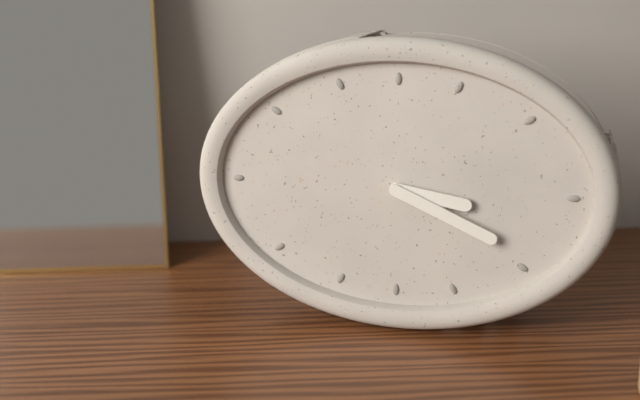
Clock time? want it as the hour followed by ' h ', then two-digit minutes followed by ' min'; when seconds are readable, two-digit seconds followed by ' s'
3 h 19 min
